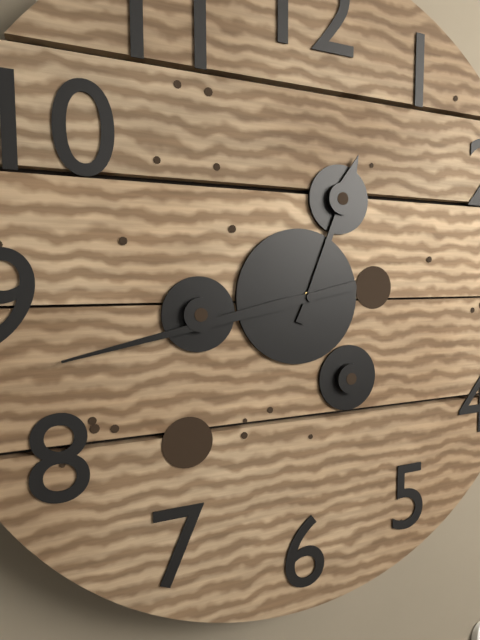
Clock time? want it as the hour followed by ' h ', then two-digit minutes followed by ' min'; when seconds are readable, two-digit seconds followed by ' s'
12 h 43 min
